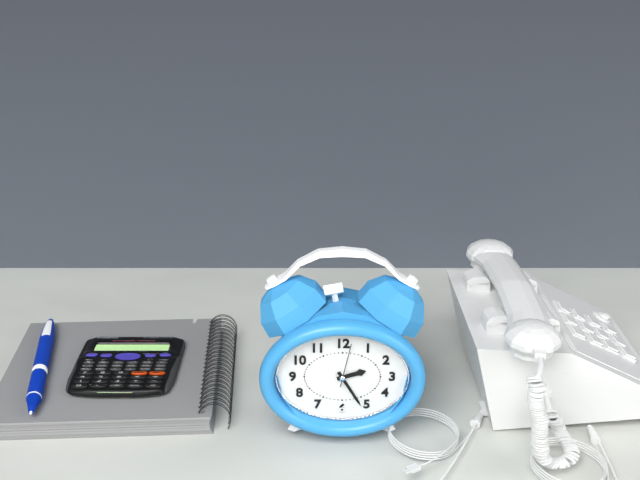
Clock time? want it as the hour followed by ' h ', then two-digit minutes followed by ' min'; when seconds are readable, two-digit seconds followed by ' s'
2 h 25 min
